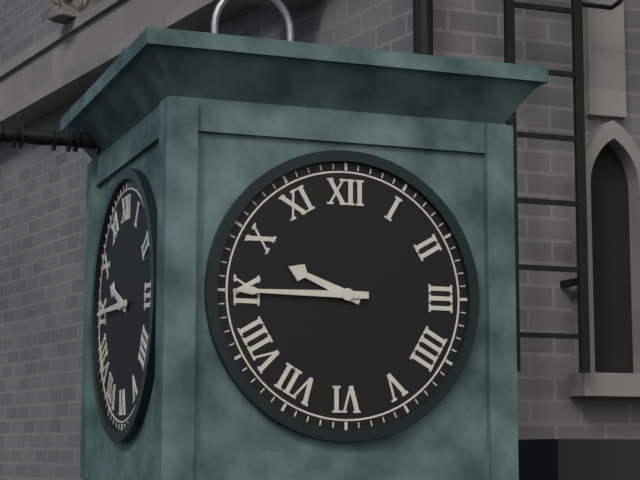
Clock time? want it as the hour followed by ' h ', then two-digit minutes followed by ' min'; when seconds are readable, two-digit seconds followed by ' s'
9 h 45 min
